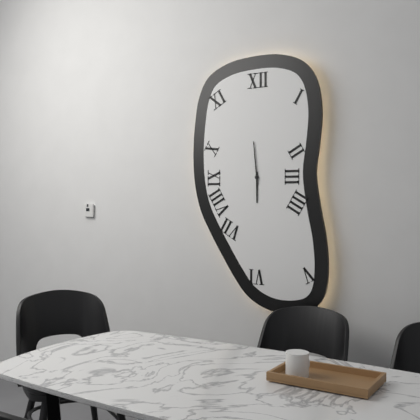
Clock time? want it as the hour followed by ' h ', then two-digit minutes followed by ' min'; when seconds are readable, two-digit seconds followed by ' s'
5 h 59 min
